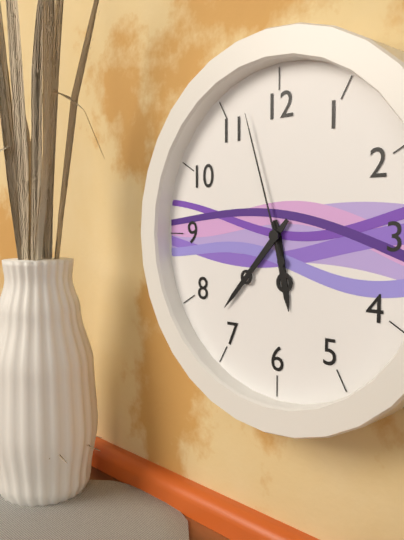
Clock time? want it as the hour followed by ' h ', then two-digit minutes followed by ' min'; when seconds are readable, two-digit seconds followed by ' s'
5 h 37 min 57 s
